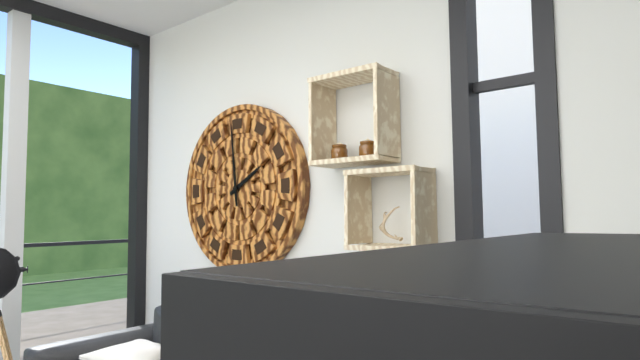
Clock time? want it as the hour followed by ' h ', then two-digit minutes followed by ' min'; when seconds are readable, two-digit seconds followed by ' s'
1 h 59 min
